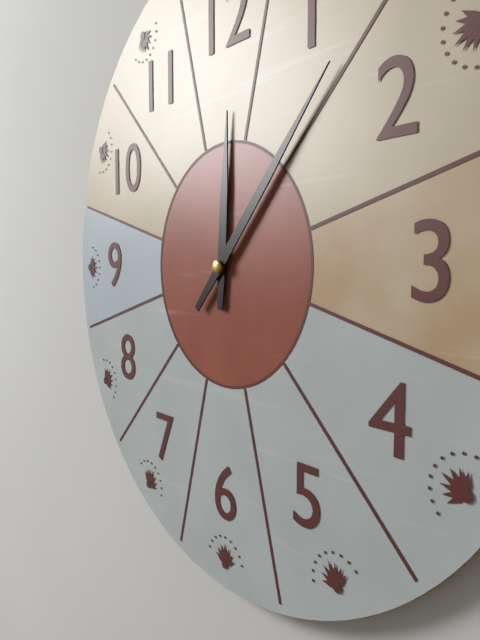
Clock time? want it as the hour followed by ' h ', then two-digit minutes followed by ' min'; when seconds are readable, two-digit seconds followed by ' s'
12 h 07 min
